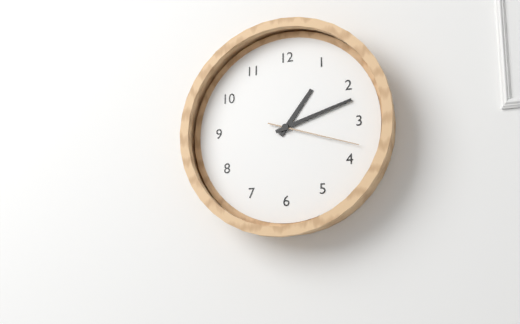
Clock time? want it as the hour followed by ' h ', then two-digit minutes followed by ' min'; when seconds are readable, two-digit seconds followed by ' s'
1 h 12 min 18 s
